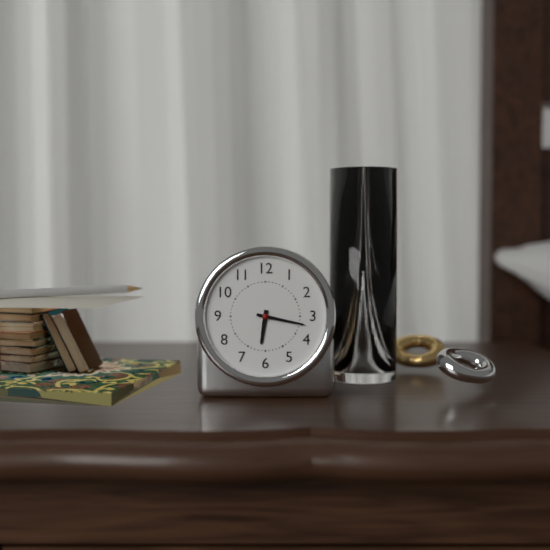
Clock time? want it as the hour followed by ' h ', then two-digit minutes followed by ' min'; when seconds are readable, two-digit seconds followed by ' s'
6 h 17 min
